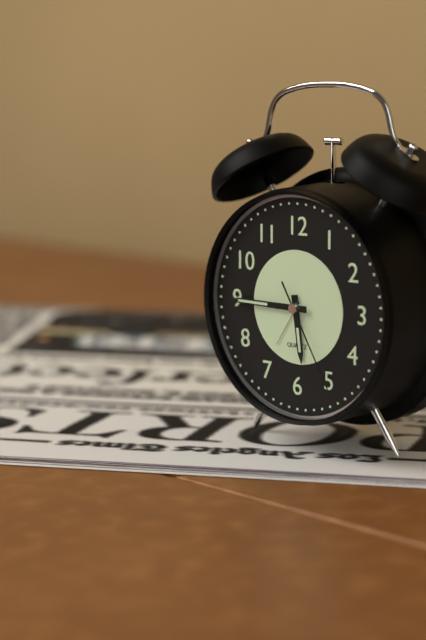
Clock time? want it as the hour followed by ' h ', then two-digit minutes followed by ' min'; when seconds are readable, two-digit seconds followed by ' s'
5 h 45 min 25 s
